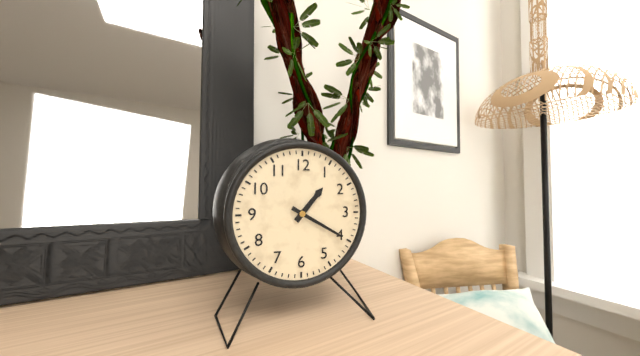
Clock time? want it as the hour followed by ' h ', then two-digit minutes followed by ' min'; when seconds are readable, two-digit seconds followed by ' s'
1 h 20 min
